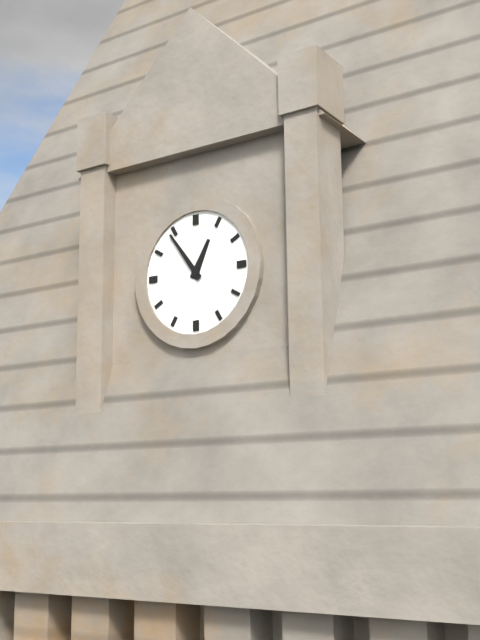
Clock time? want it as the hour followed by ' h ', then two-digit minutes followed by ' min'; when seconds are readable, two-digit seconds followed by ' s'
12 h 54 min
